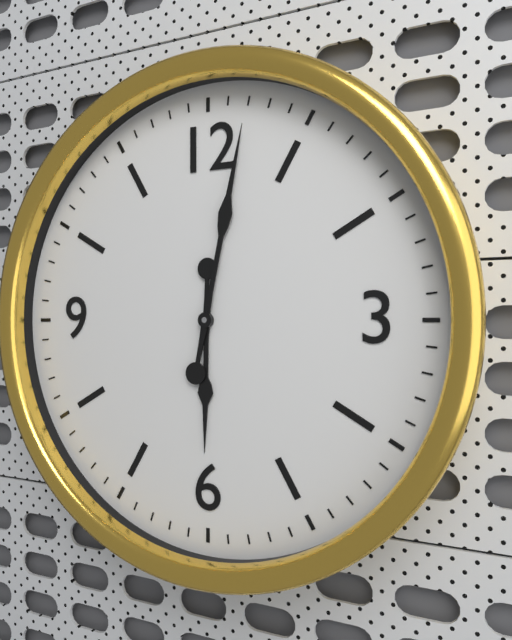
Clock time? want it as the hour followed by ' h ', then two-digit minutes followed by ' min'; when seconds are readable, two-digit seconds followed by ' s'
6 h 02 min
